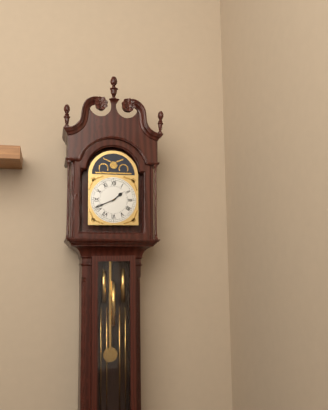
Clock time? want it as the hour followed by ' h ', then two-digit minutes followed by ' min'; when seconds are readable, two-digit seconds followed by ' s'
1 h 41 min
